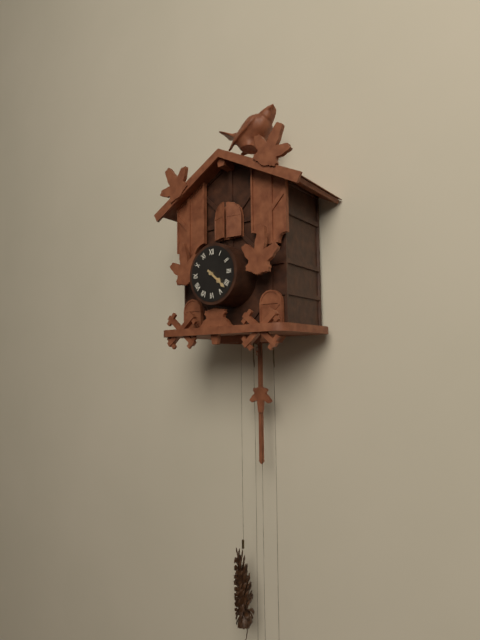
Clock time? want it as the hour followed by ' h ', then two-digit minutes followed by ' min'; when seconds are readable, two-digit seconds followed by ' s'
4 h 22 min
